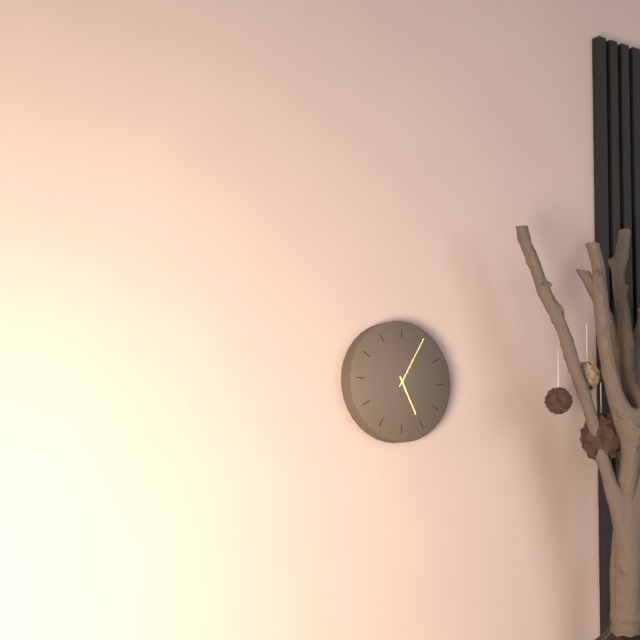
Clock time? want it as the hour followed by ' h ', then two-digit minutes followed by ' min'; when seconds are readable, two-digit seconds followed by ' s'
5 h 05 min
